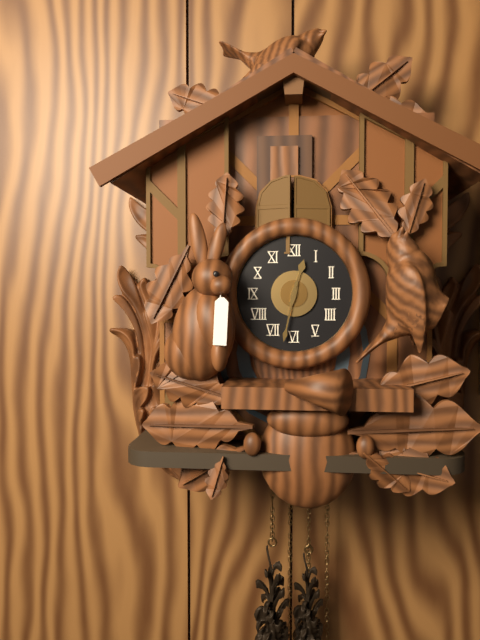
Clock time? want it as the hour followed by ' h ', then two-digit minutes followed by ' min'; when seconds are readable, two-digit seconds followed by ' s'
12 h 32 min
